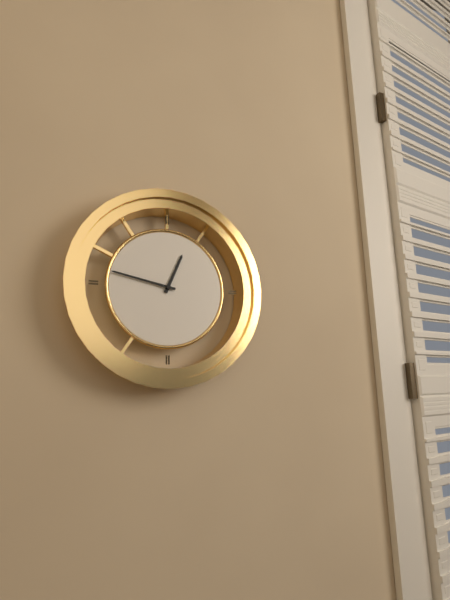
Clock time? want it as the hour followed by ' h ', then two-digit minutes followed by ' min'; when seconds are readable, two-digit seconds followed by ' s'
12 h 47 min
